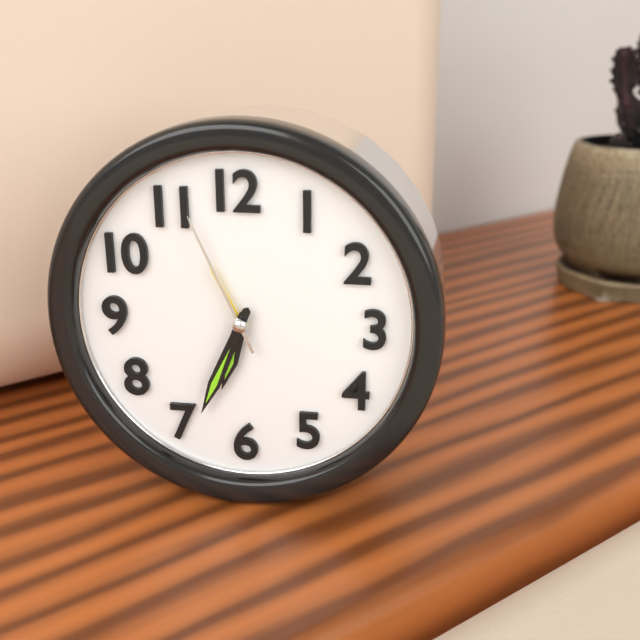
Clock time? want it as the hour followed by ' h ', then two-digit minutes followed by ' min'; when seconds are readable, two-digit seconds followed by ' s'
6 h 34 min 56 s
